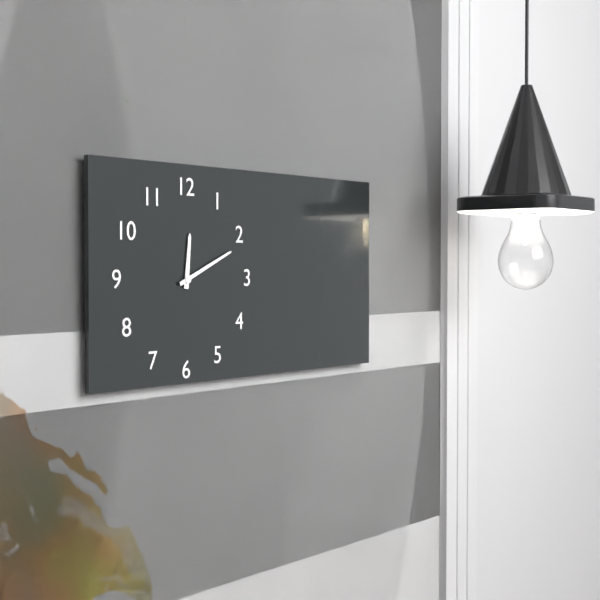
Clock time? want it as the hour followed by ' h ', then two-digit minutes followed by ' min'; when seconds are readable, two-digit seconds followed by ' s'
12 h 11 min
